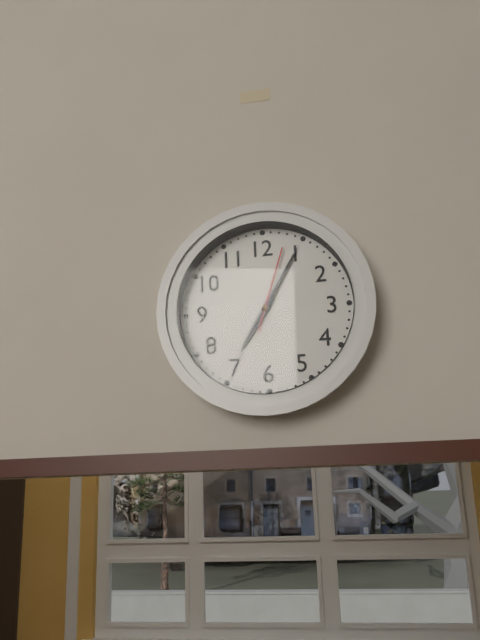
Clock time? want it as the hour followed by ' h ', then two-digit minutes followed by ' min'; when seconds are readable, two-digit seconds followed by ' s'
7 h 05 min 03 s
